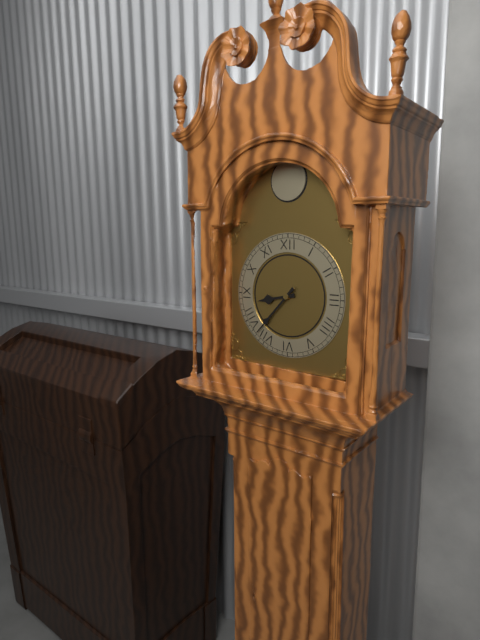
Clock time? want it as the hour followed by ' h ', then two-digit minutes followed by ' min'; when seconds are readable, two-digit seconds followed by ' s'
8 h 37 min
